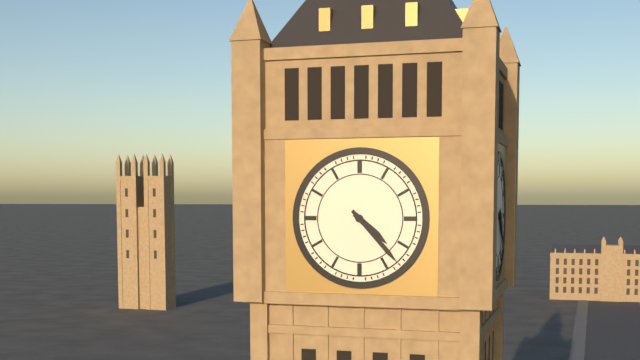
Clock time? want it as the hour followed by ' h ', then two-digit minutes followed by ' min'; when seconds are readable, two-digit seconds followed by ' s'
4 h 23 min
